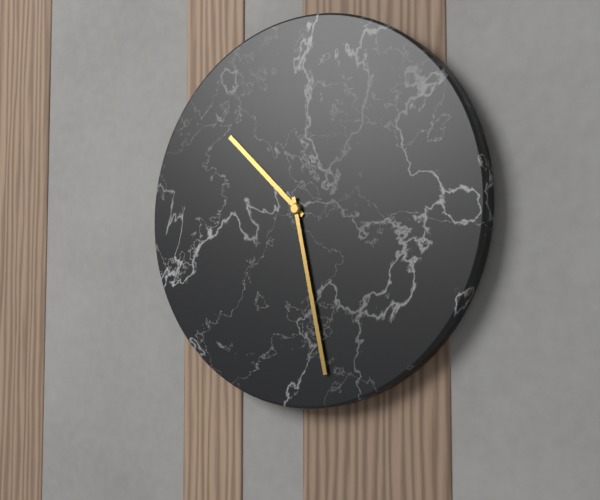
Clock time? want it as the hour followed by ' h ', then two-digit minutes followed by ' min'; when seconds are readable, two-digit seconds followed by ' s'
10 h 28 min
